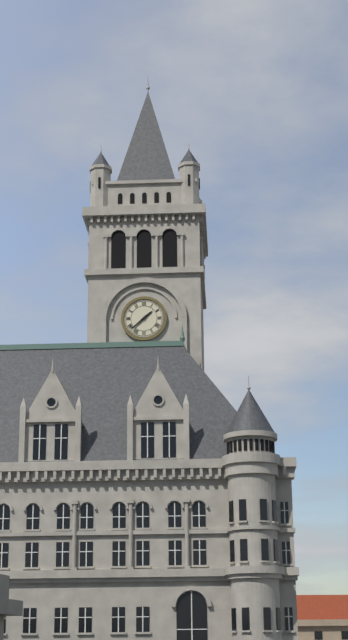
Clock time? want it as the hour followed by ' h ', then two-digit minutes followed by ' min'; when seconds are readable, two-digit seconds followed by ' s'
1 h 38 min
